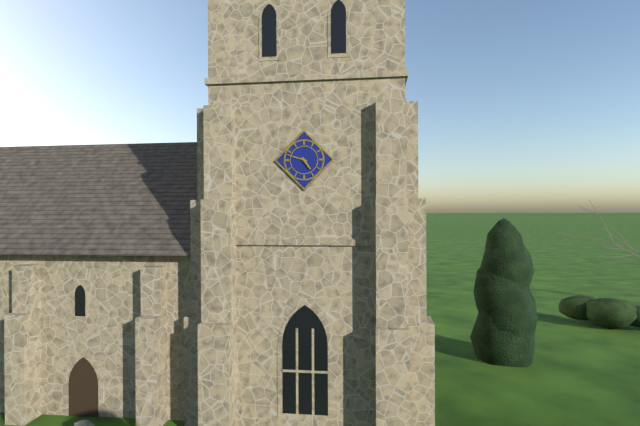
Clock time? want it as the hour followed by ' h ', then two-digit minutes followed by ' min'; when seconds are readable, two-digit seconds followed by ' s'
4 h 48 min
